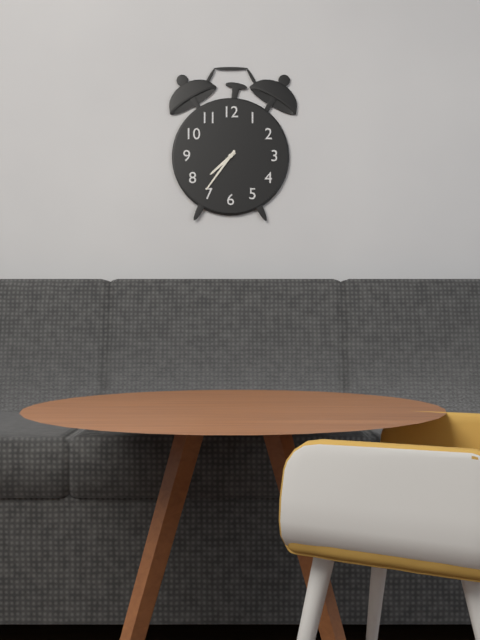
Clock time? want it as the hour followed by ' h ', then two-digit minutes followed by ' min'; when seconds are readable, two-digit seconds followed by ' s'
7 h 36 min
